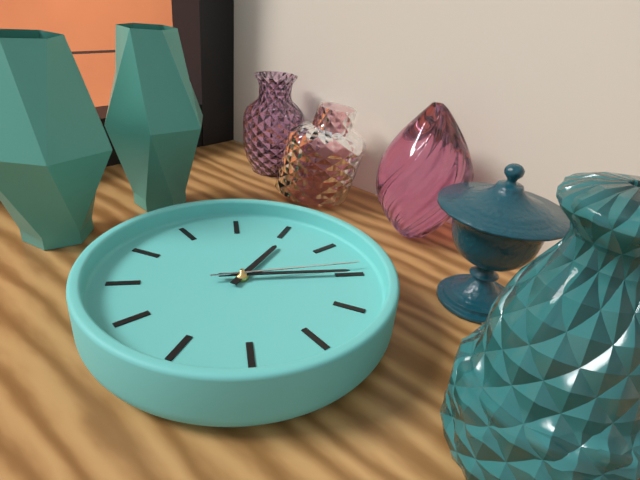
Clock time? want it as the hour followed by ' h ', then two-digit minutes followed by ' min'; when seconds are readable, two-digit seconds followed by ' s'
12 h 10 min 09 s
